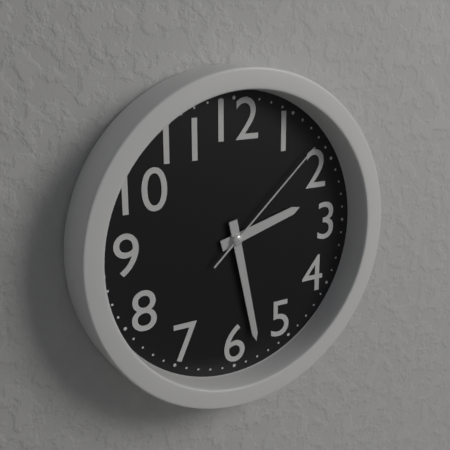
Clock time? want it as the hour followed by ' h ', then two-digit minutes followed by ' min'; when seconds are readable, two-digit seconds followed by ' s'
2 h 28 min 08 s
